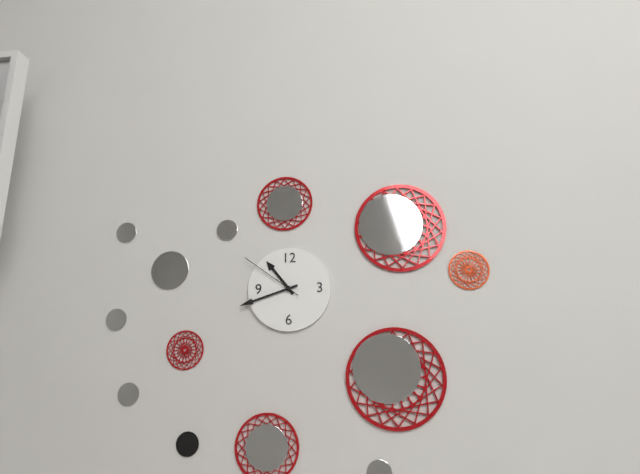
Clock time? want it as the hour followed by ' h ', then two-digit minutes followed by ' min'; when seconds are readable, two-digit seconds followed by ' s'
10 h 42 min 51 s
